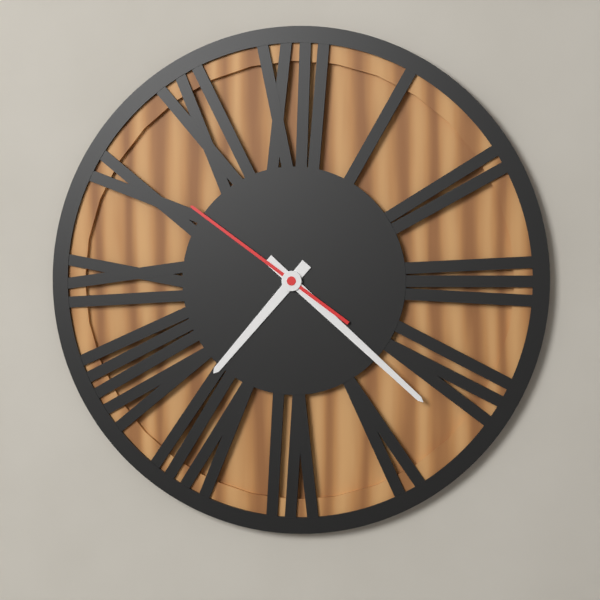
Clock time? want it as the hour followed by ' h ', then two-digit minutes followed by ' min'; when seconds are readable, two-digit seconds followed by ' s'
7 h 22 min 51 s
